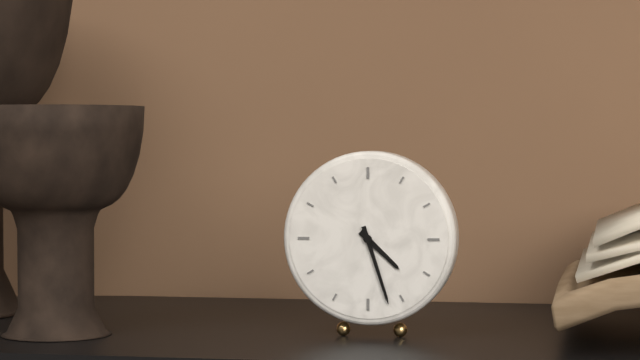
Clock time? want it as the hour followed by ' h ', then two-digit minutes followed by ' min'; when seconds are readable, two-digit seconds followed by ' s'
4 h 27 min
